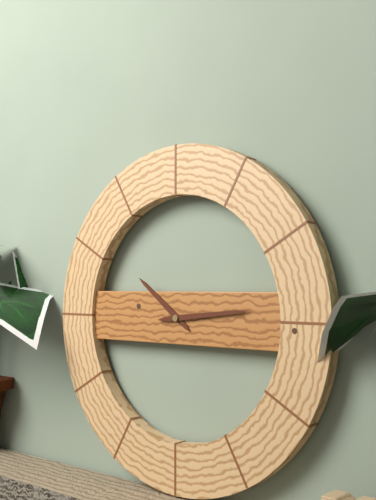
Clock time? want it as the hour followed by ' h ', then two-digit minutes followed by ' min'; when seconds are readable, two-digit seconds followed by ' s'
10 h 14 min
